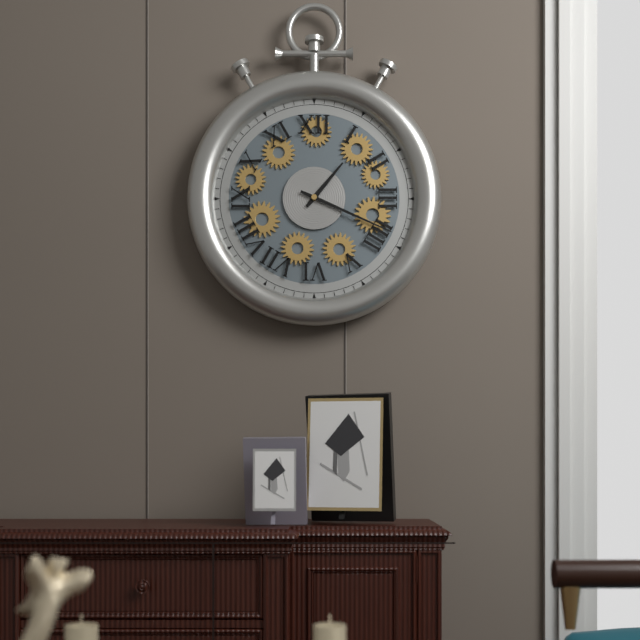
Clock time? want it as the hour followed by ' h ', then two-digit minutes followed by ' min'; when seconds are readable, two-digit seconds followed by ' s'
1 h 19 min
